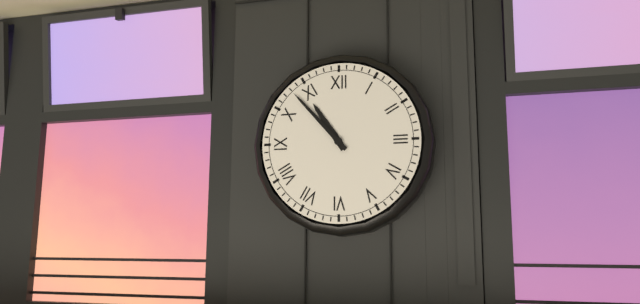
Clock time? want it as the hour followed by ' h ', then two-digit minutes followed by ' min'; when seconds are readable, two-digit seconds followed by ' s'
10 h 53 min
